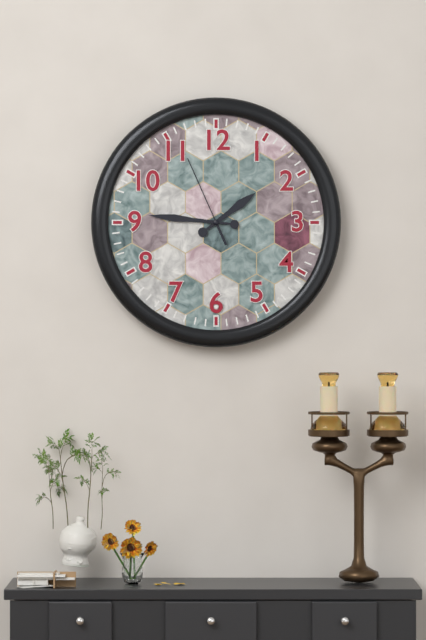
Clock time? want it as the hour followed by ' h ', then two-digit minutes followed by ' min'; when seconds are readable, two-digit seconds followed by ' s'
1 h 46 min 56 s
